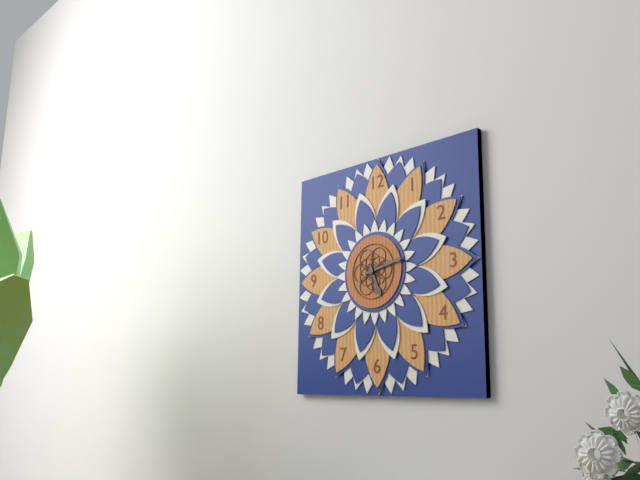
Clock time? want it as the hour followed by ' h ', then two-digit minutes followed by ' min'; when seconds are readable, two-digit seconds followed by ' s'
5 h 13 min
